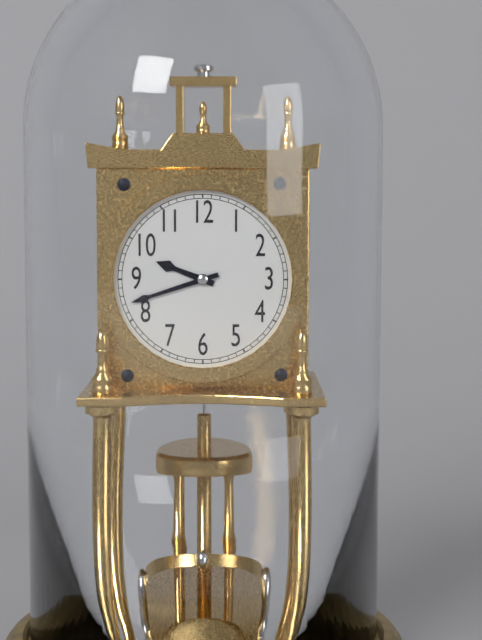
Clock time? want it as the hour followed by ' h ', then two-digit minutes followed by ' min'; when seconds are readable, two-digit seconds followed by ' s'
9 h 42 min
